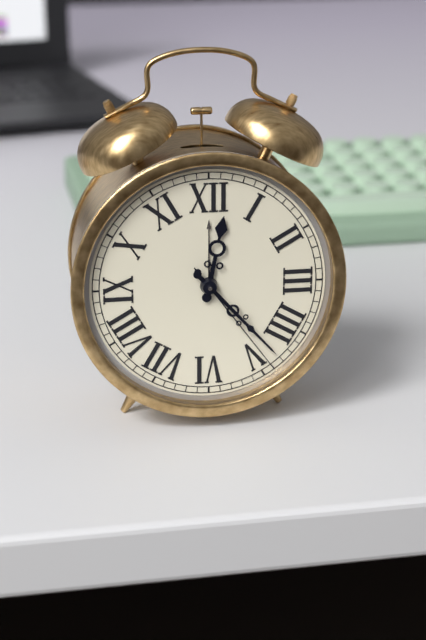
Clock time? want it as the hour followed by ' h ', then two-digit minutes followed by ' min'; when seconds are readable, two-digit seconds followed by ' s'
12 h 23 min 24 s
